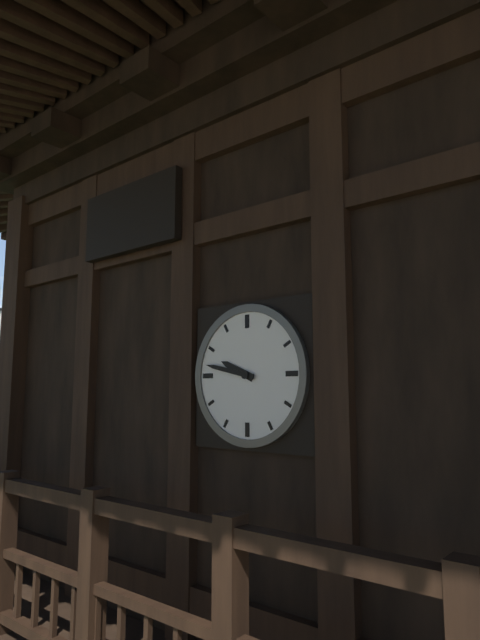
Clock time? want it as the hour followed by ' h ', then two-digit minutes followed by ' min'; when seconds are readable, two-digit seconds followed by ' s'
9 h 47 min
